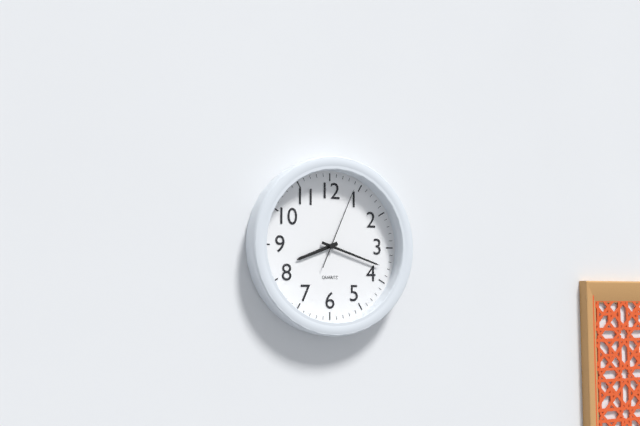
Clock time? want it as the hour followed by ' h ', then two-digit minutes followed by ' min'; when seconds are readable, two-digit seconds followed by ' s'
8 h 18 min 04 s
